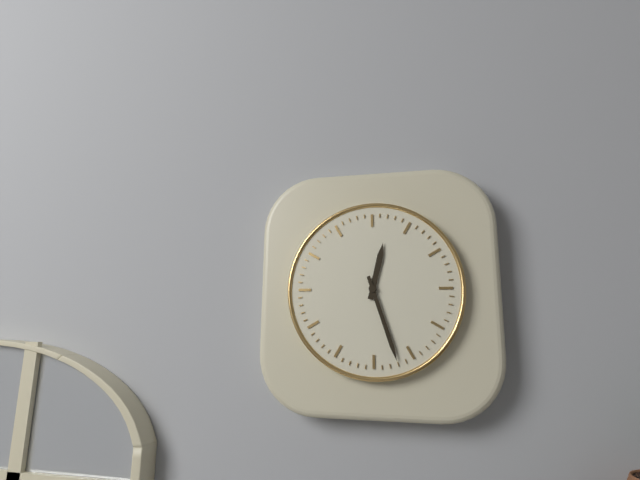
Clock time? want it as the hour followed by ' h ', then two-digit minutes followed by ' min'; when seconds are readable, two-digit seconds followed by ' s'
12 h 27 min
